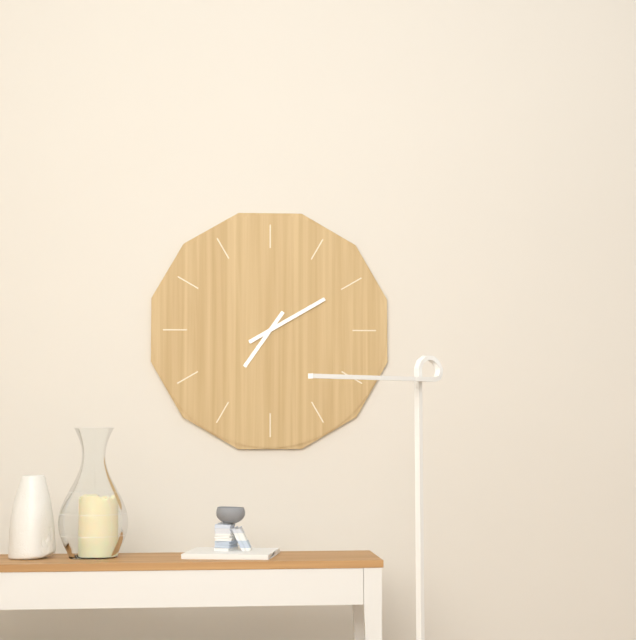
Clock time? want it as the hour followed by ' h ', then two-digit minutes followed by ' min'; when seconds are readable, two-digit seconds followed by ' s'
7 h 10 min
